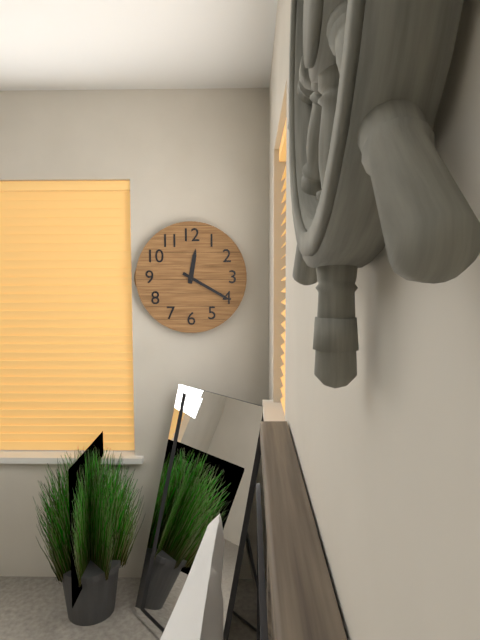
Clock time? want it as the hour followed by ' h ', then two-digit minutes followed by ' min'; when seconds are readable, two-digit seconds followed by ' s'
12 h 20 min
